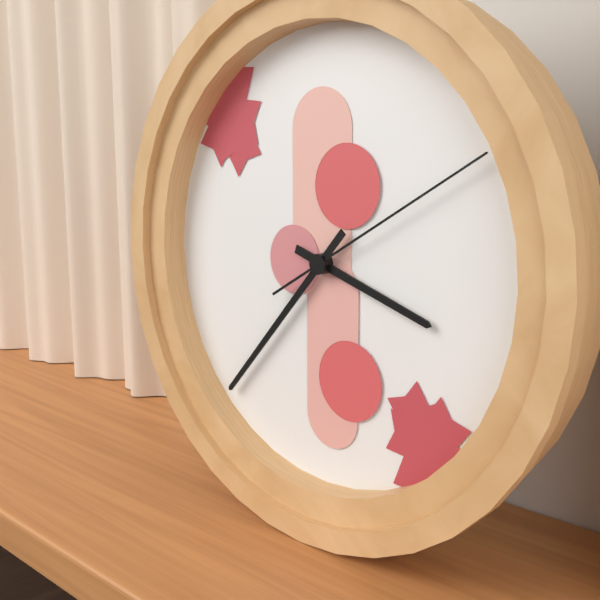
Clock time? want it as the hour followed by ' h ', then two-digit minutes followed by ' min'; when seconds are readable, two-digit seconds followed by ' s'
3 h 37 min 10 s
